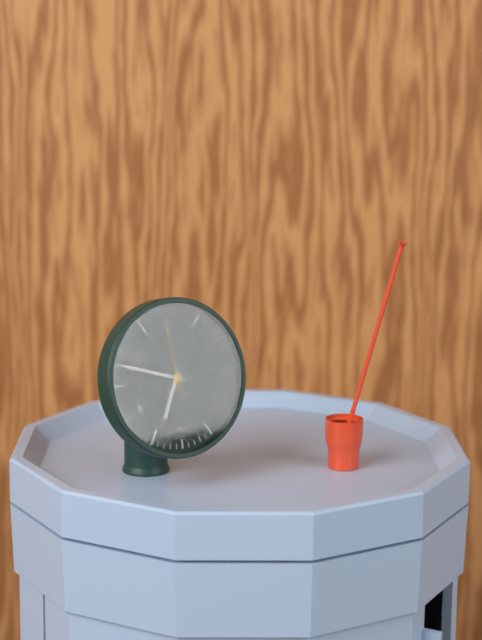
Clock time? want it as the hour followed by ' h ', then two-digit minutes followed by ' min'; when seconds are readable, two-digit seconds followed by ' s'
6 h 48 min 59 s
